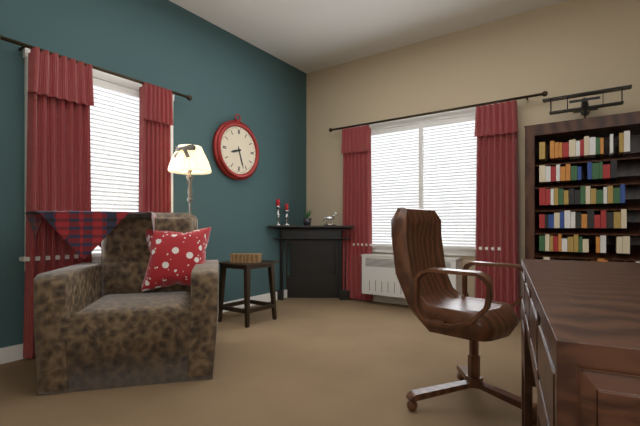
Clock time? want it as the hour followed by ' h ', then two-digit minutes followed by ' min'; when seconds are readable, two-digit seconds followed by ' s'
8 h 27 min
